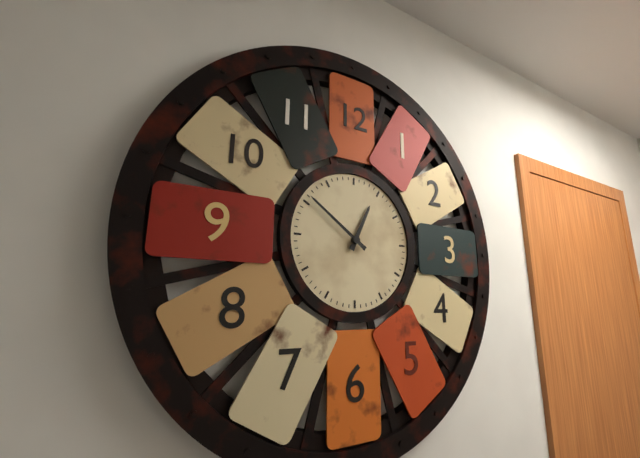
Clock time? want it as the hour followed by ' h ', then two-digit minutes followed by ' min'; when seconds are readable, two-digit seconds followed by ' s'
12 h 51 min
